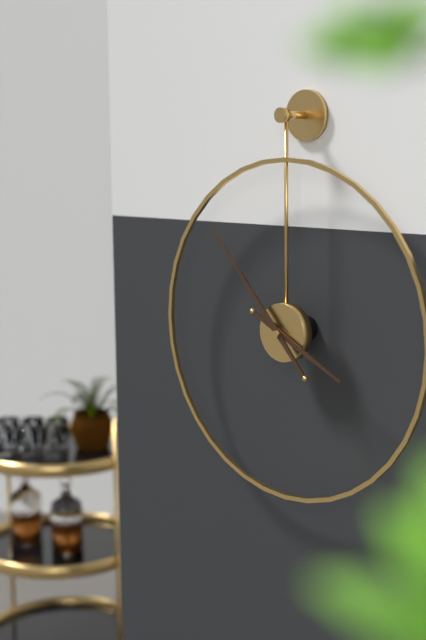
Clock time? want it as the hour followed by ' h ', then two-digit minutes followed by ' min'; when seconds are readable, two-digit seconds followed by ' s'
3 h 53 min
